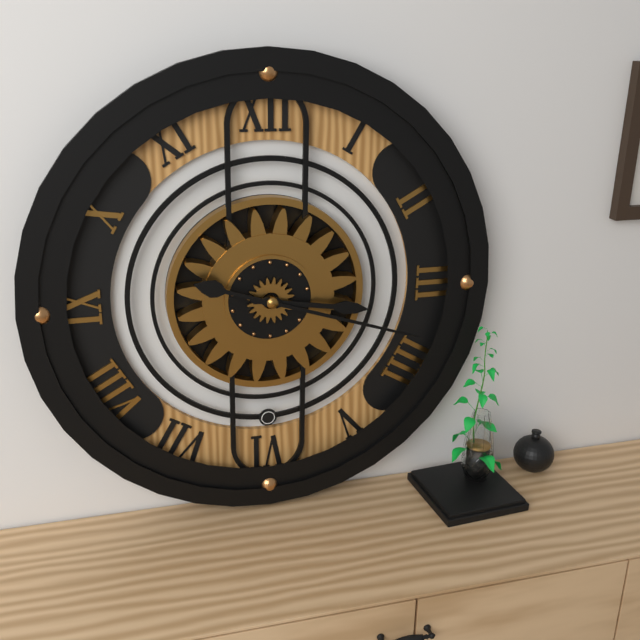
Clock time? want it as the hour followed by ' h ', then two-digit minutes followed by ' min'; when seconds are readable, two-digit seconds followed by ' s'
3 h 18 min
